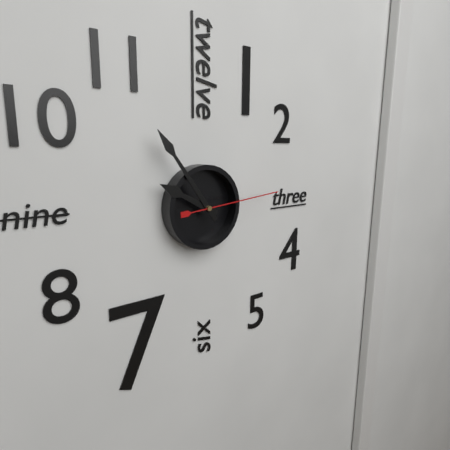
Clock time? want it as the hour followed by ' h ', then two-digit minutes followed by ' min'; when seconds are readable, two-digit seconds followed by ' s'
9 h 54 min 14 s
